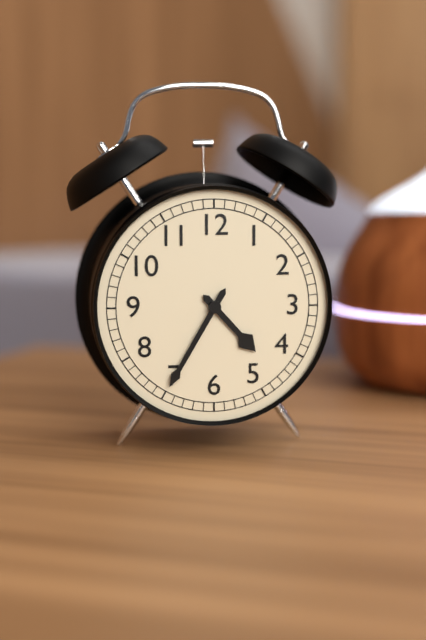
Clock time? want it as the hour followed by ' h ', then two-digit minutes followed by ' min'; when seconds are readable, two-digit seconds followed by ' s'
4 h 35 min
